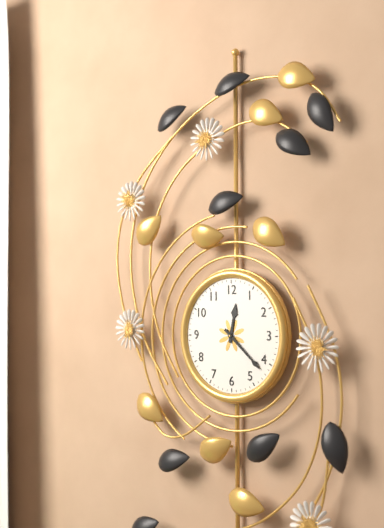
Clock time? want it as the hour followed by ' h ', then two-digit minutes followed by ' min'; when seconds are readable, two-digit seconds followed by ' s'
12 h 22 min
